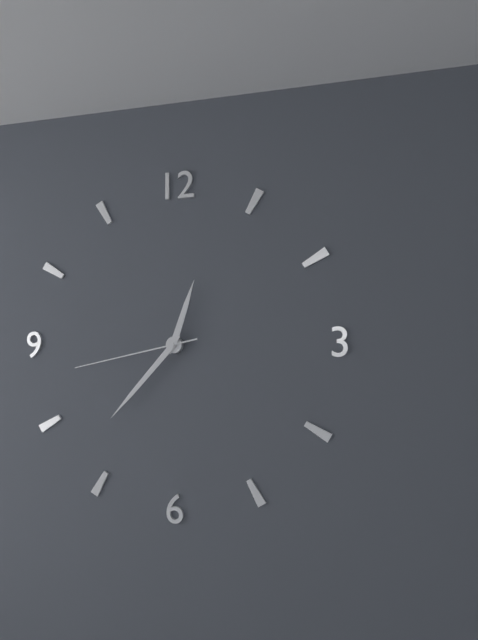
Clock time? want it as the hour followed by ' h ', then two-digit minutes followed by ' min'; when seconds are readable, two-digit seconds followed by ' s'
12 h 37 min 43 s
